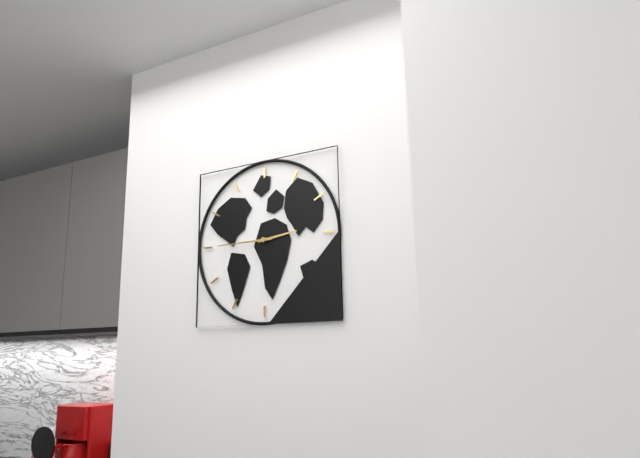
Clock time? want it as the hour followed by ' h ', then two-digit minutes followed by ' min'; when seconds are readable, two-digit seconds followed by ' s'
2 h 45 min
